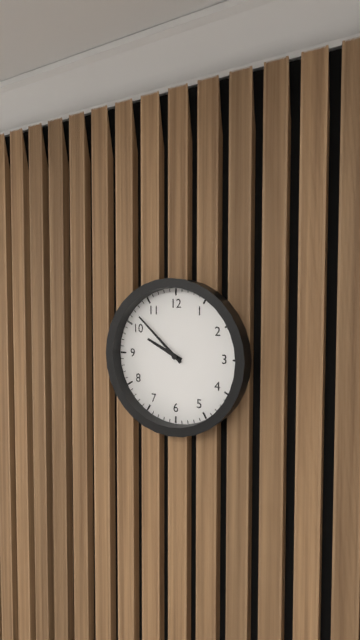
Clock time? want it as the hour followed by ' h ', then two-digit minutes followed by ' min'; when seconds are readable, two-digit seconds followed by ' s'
9 h 52 min
